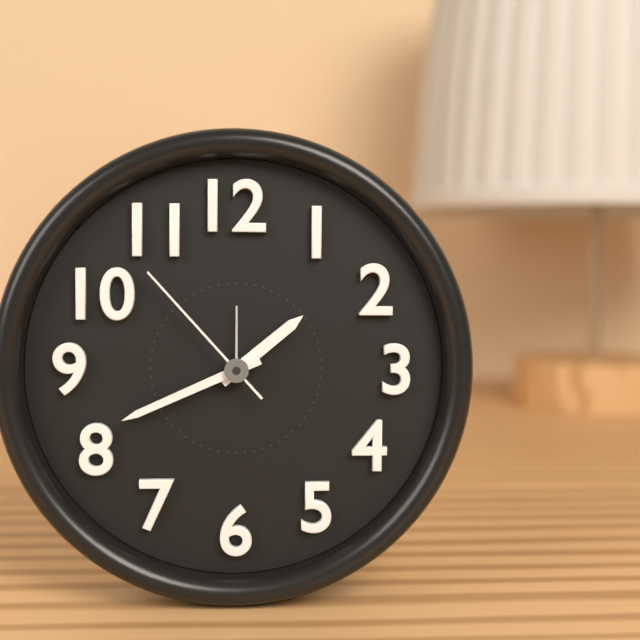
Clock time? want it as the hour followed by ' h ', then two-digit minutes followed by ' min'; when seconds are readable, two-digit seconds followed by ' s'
1 h 41 min 53 s
